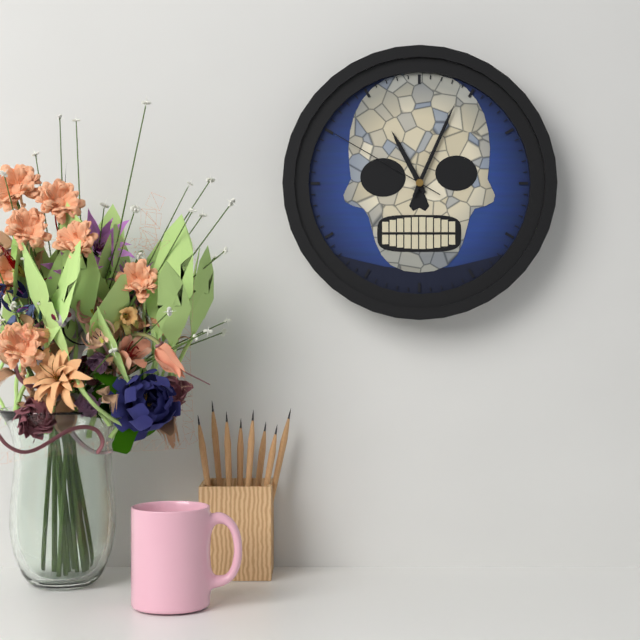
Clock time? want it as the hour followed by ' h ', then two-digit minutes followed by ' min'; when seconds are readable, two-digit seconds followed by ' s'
11 h 04 min 50 s
